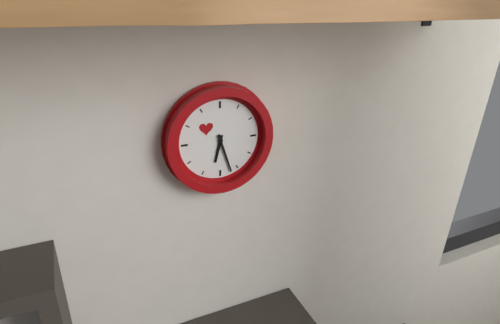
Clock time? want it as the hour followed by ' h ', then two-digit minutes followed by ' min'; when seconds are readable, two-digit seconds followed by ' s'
6 h 27 min
